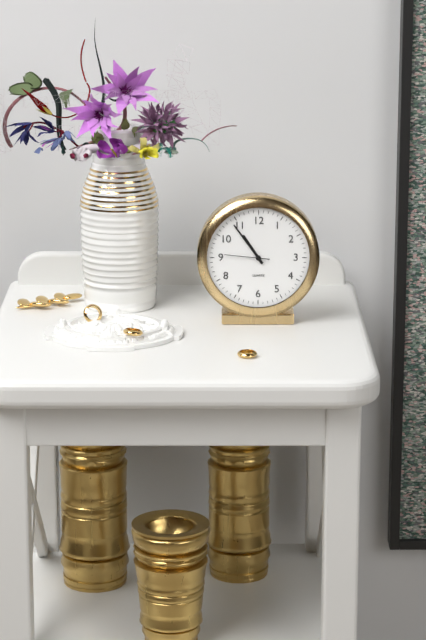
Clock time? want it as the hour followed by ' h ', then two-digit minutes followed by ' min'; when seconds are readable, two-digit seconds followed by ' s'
10 h 54 min
